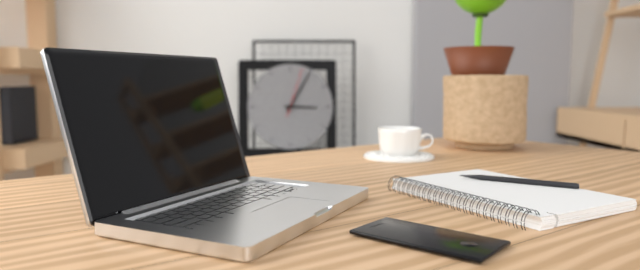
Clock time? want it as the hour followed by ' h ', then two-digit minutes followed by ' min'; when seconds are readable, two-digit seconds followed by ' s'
3 h 05 min 03 s
